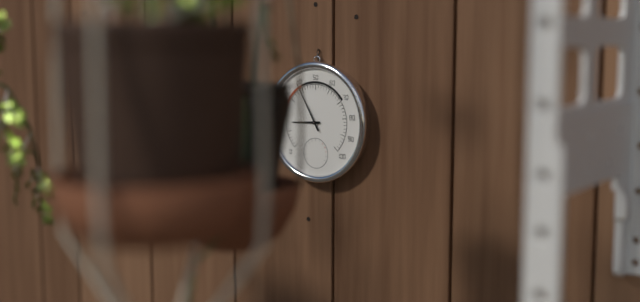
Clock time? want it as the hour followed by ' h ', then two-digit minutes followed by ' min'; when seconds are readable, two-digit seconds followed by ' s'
8 h 55 min
